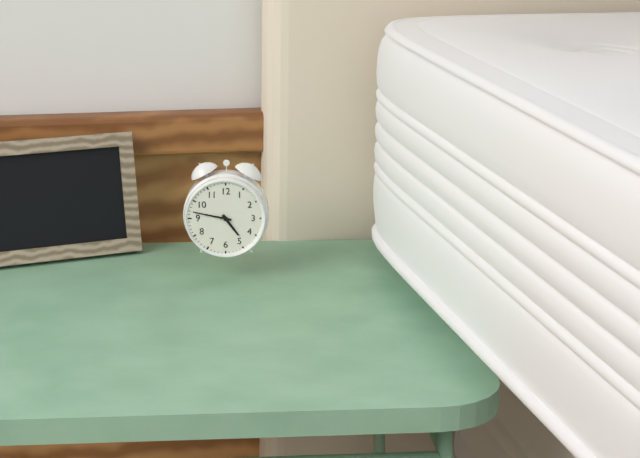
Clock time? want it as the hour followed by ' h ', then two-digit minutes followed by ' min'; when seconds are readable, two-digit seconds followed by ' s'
4 h 47 min
